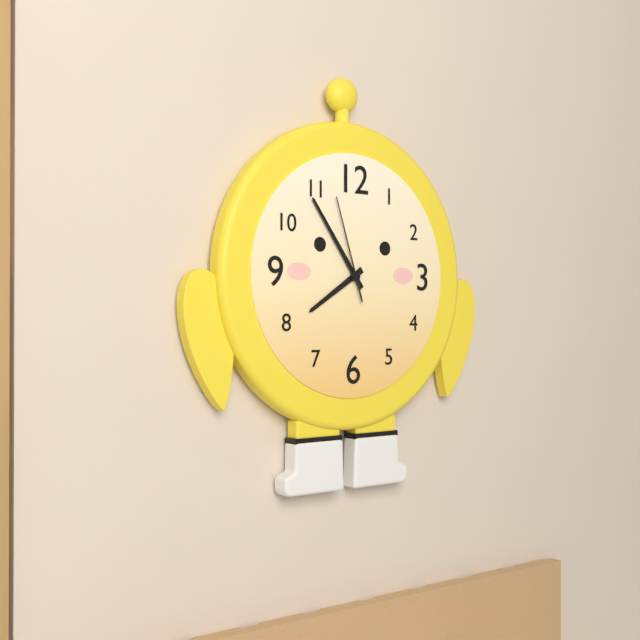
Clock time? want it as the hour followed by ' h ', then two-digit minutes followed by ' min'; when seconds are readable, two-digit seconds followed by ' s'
7 h 54 min 57 s
